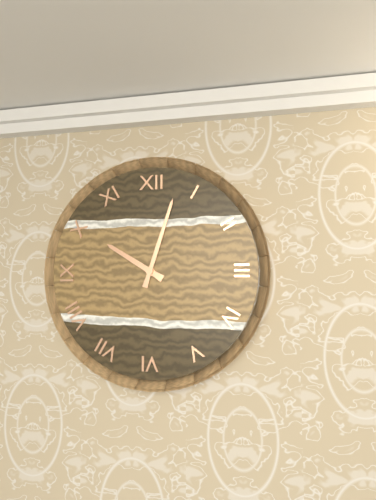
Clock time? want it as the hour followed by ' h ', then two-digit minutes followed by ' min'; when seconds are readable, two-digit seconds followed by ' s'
10 h 03 min
